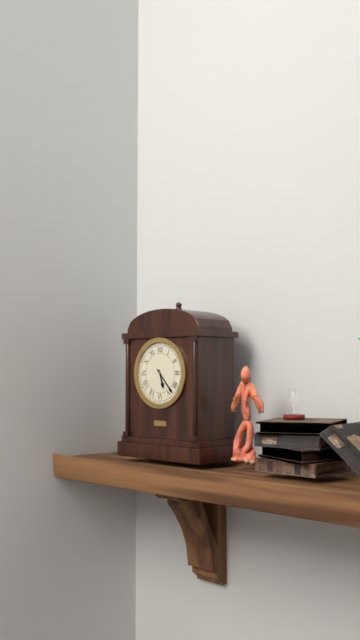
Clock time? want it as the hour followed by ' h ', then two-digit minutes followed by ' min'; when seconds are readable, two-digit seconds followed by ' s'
5 h 23 min
